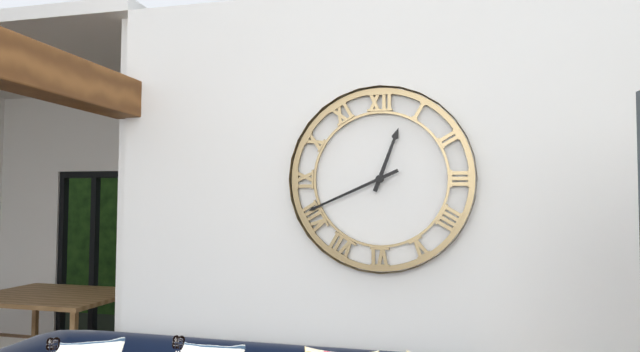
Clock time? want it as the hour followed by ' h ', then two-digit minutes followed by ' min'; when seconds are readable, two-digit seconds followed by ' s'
12 h 41 min
